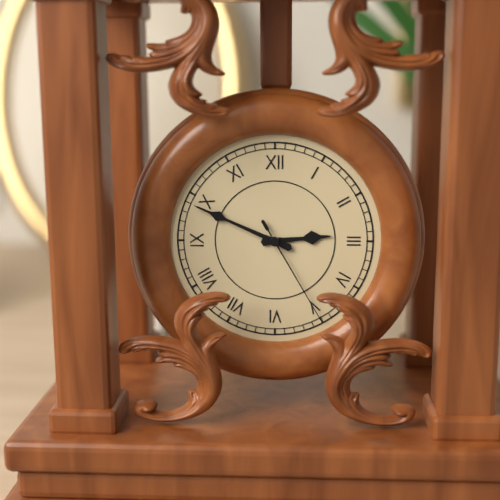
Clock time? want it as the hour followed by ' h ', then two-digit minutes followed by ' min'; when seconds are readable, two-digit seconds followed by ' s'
2 h 49 min 25 s
